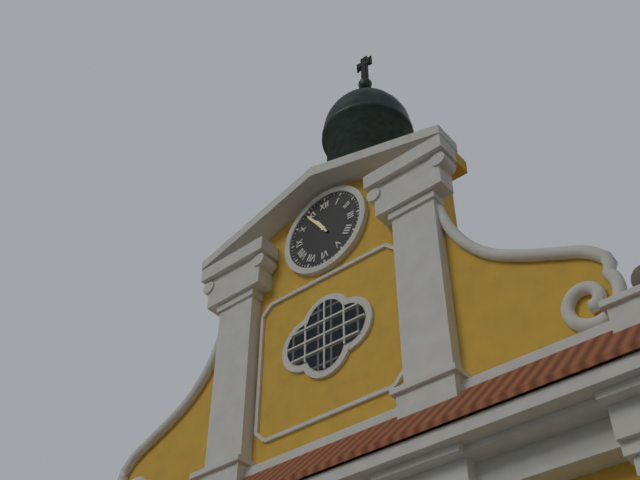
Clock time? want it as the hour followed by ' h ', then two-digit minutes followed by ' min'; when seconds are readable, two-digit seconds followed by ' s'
10 h 54 min
